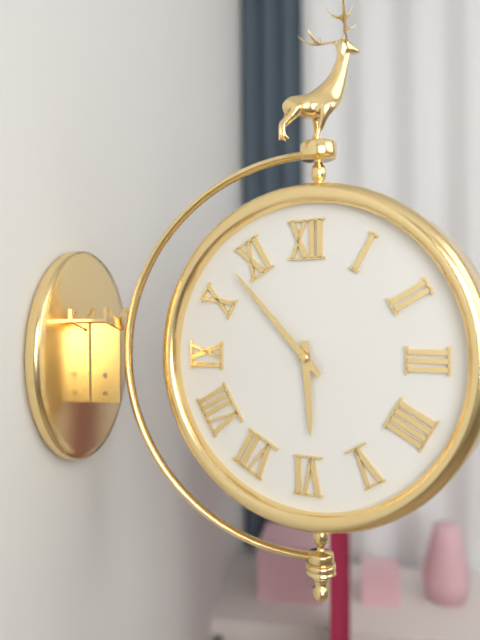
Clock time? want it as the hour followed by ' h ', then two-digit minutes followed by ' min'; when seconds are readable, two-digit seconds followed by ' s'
5 h 53 min
